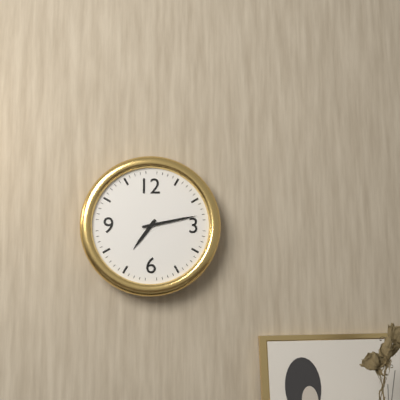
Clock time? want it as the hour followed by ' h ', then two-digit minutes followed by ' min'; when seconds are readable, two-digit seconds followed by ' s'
7 h 13 min
